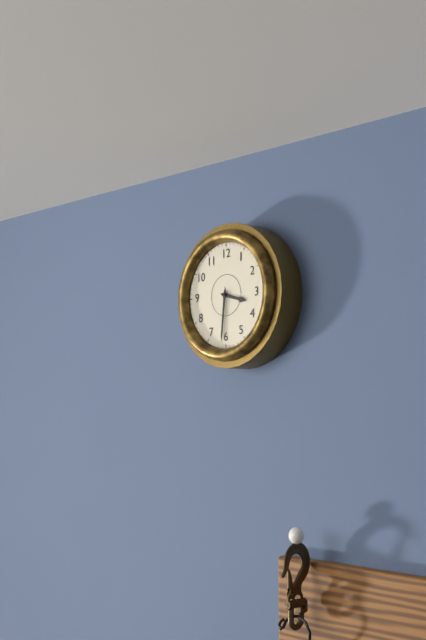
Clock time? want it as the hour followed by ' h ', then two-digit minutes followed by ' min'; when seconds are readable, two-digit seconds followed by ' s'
3 h 31 min
